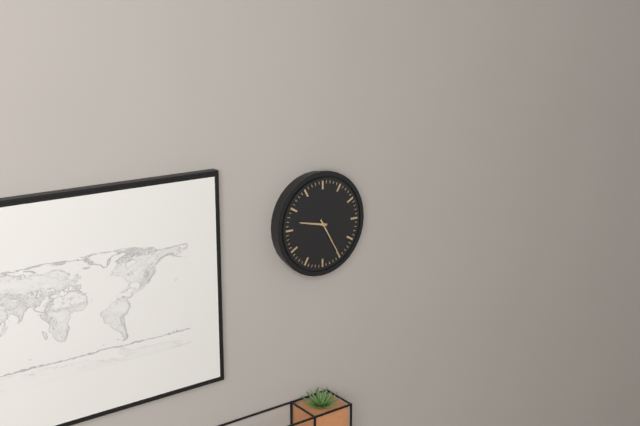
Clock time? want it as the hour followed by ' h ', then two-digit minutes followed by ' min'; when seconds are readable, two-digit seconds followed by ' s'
9 h 25 min
